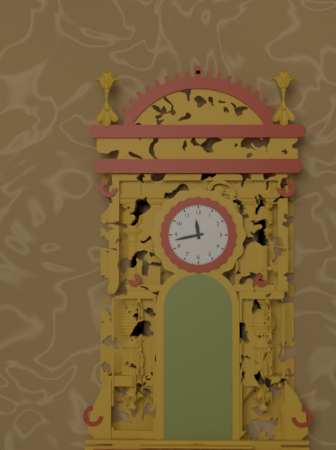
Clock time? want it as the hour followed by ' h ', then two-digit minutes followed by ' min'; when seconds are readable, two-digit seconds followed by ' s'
11 h 43 min
